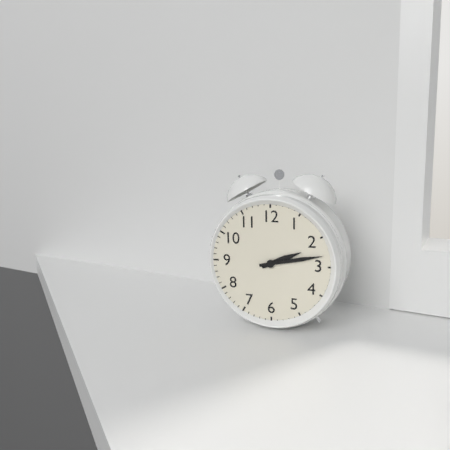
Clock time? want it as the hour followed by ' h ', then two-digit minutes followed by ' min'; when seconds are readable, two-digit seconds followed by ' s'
2 h 13 min
